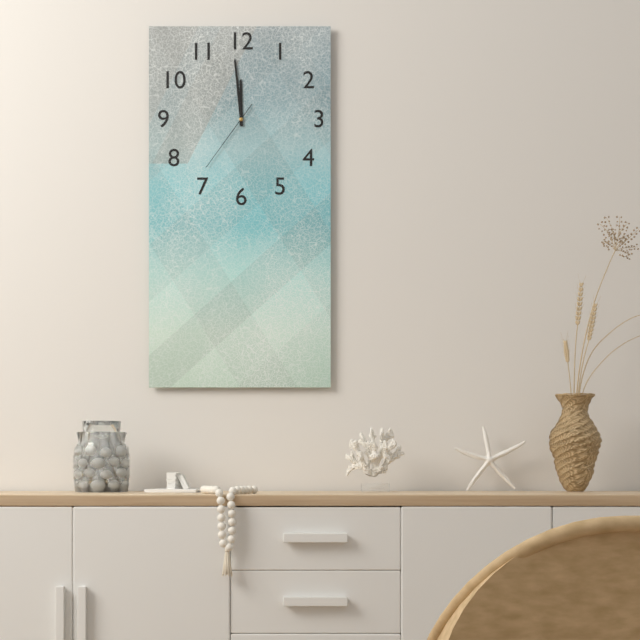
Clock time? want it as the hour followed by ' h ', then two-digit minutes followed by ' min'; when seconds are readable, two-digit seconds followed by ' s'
11 h 59 min 36 s
